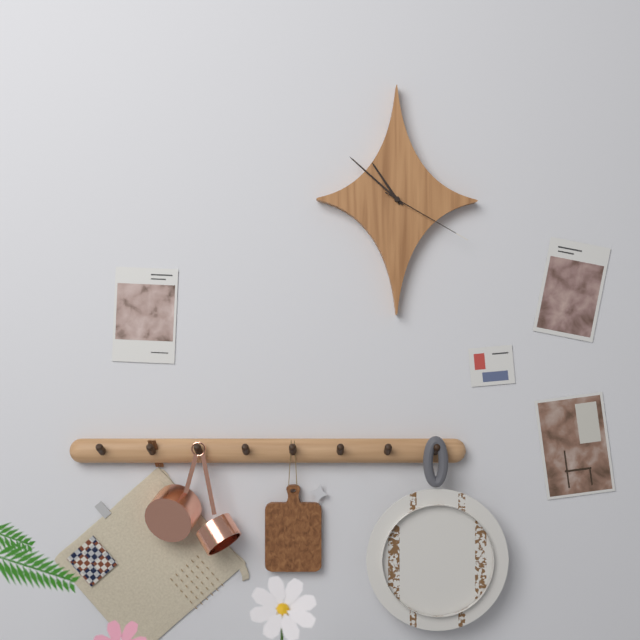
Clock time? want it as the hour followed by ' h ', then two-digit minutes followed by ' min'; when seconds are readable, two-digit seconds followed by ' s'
10 h 52 min 20 s
